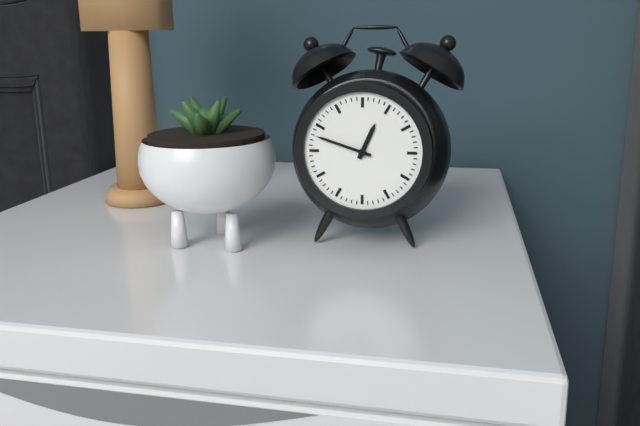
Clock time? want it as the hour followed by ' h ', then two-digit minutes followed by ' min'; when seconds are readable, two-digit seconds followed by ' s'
12 h 48 min
